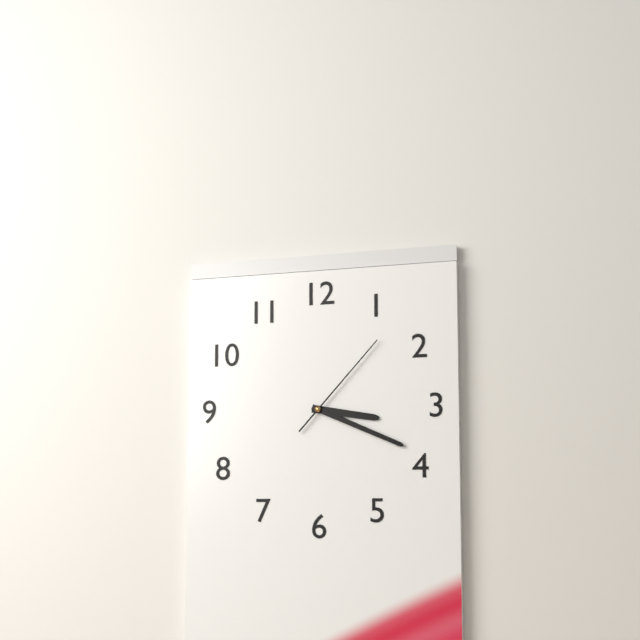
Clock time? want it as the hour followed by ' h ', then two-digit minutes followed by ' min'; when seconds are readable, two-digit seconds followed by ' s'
3 h 19 min 07 s
